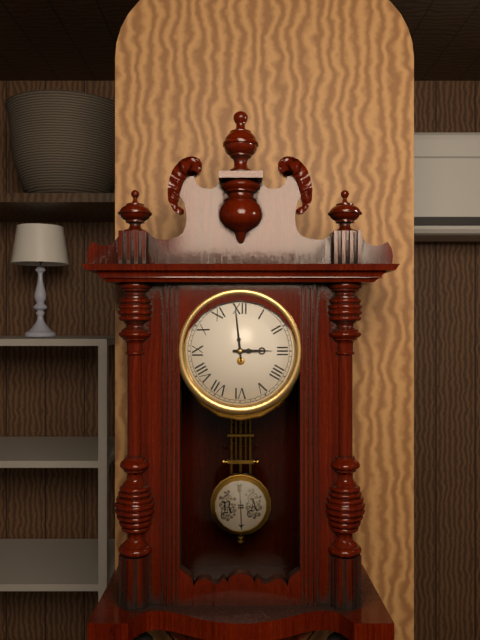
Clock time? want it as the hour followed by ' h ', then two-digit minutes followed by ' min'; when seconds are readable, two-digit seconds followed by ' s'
2 h 59 min
